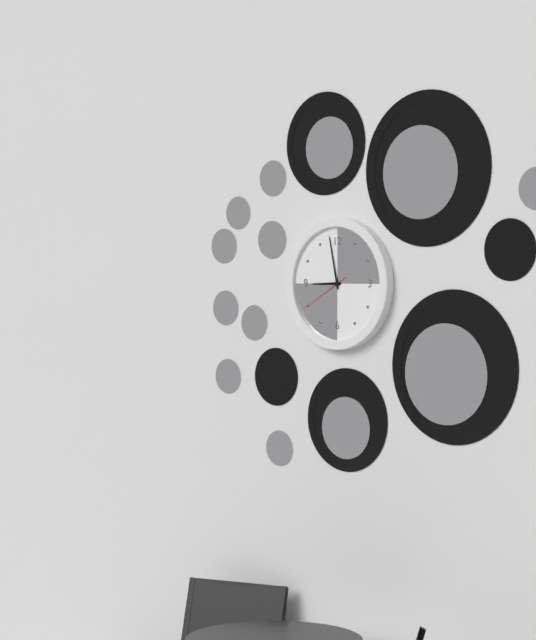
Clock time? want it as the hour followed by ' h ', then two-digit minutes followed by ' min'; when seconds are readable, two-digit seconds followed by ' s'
8 h 58 min 40 s
